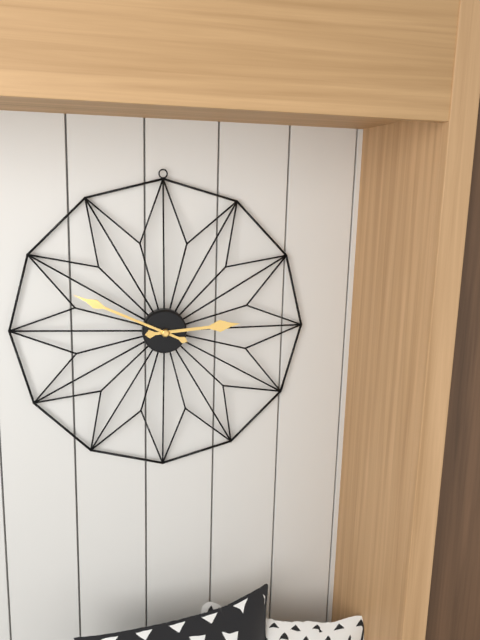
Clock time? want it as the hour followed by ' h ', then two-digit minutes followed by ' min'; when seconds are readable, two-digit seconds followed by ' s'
2 h 49 min
